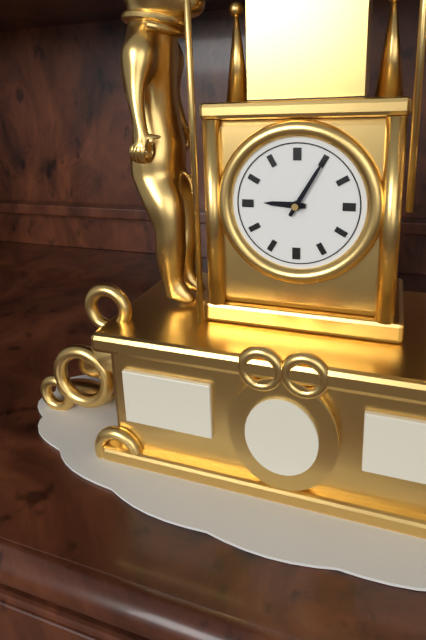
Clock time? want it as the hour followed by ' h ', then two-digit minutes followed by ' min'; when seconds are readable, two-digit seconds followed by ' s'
9 h 05 min
